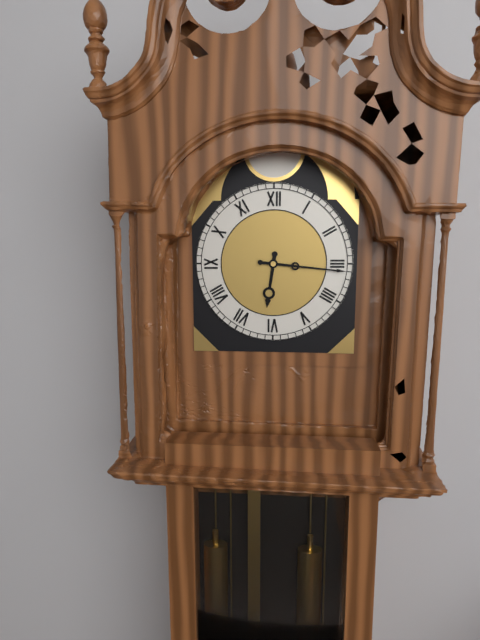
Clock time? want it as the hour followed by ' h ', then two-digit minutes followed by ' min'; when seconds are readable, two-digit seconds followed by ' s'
6 h 16 min
